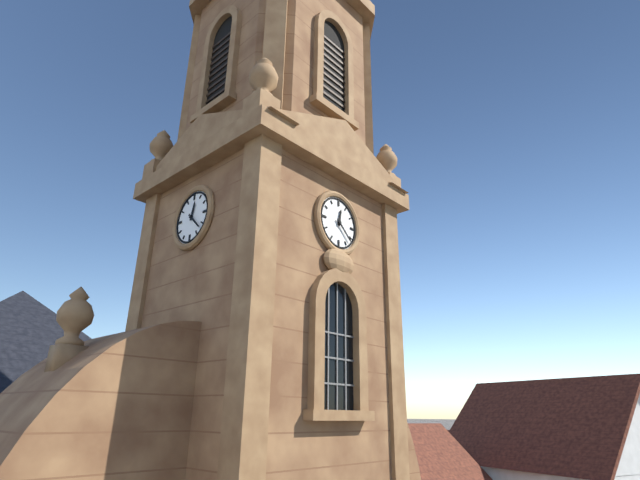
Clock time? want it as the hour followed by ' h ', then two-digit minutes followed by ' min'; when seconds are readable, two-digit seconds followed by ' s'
12 h 22 min
